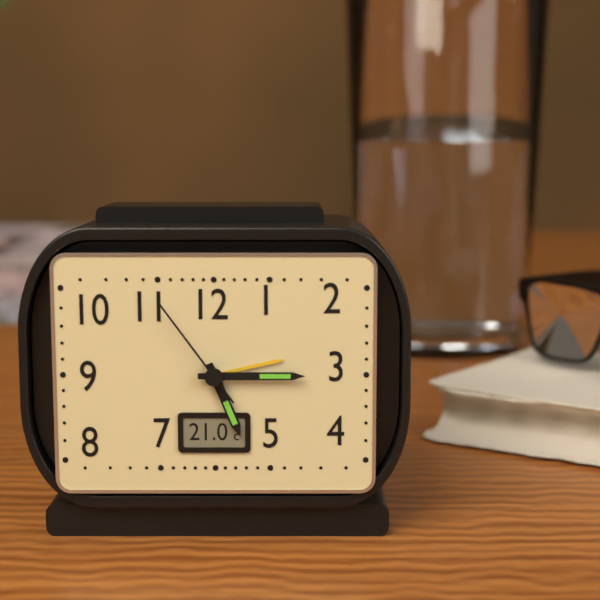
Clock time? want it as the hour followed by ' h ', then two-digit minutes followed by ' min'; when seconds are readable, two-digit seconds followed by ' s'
5 h 15 min 54 s
